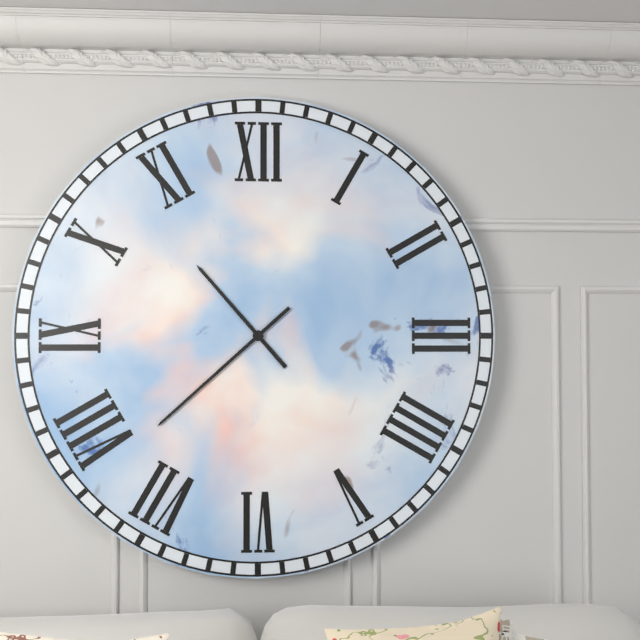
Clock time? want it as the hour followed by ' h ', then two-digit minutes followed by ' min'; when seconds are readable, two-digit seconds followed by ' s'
10 h 38 min
